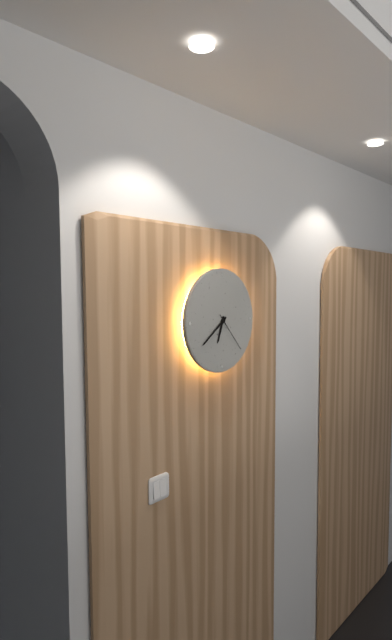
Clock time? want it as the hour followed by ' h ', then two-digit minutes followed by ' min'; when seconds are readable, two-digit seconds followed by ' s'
6 h 39 min
